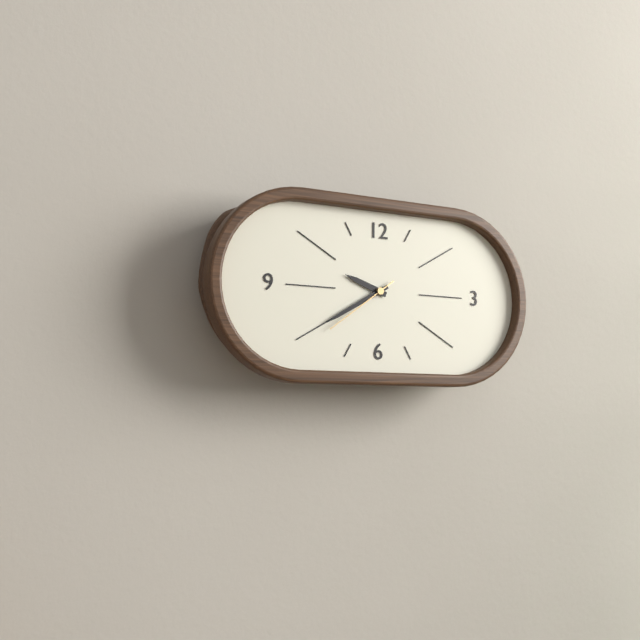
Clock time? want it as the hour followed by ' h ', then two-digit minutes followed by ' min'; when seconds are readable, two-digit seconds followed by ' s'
9 h 40 min 39 s
